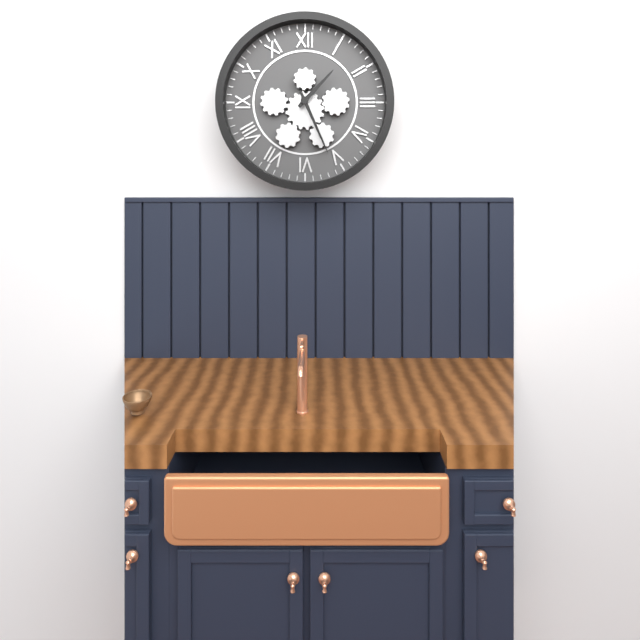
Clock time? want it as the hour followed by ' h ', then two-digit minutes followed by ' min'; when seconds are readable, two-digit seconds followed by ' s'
1 h 26 min
